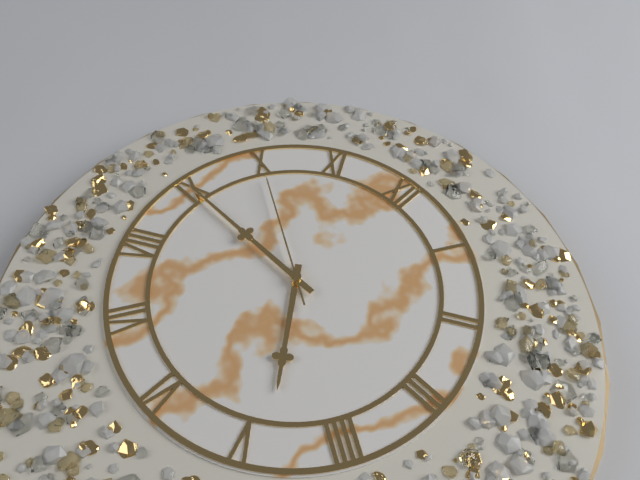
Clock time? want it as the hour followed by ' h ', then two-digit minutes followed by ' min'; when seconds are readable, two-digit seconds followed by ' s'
4 h 45 min 50 s
